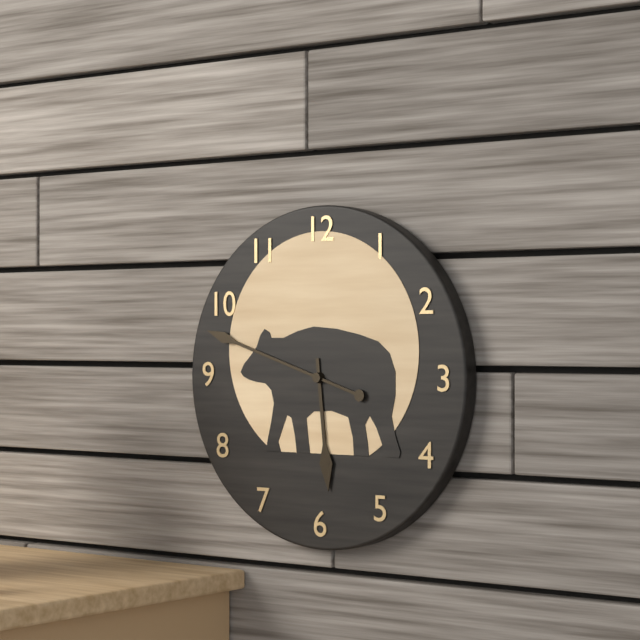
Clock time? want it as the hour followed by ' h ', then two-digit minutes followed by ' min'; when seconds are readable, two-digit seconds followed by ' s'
5 h 48 min
